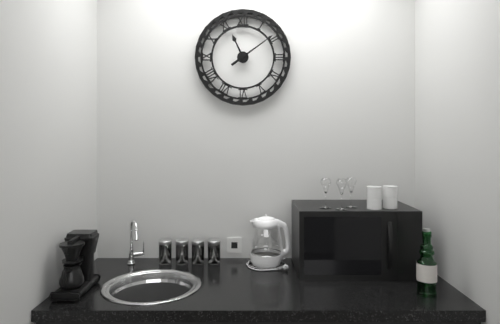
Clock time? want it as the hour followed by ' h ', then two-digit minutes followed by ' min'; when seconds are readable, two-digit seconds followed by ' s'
11 h 09 min
